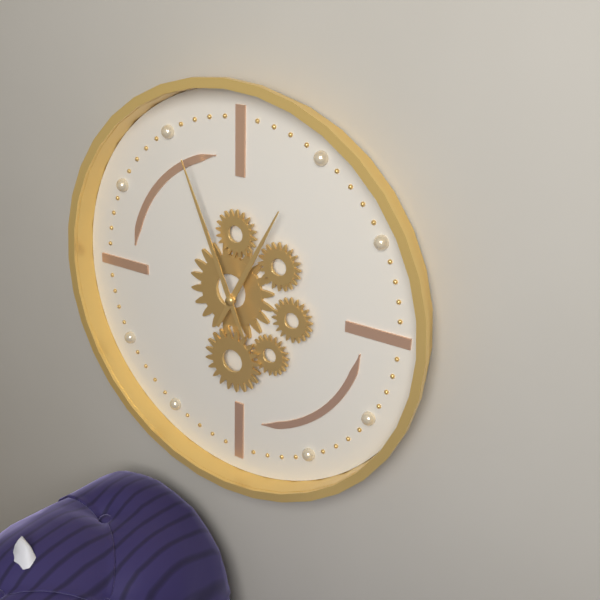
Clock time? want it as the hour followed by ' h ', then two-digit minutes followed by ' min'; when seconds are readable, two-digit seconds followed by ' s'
12 h 56 min
